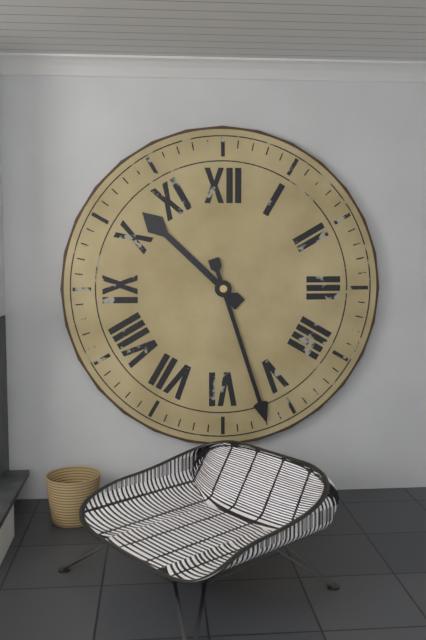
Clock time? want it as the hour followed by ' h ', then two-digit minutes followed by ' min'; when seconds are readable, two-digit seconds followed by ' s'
10 h 27 min
